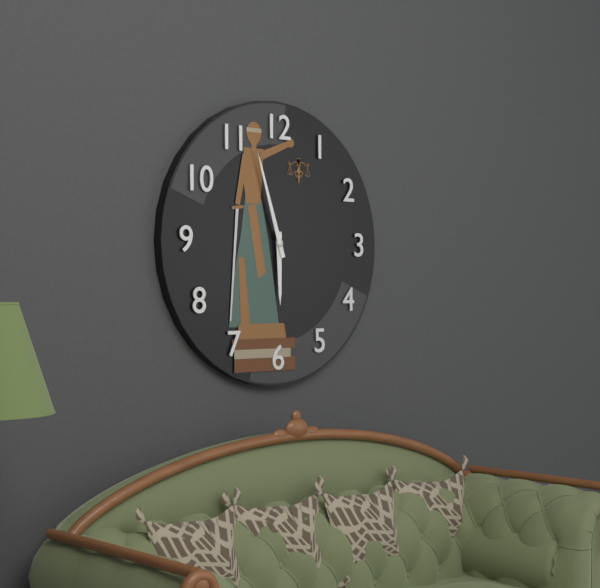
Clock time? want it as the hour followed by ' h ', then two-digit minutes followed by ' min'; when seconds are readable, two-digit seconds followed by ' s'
5 h 57 min
